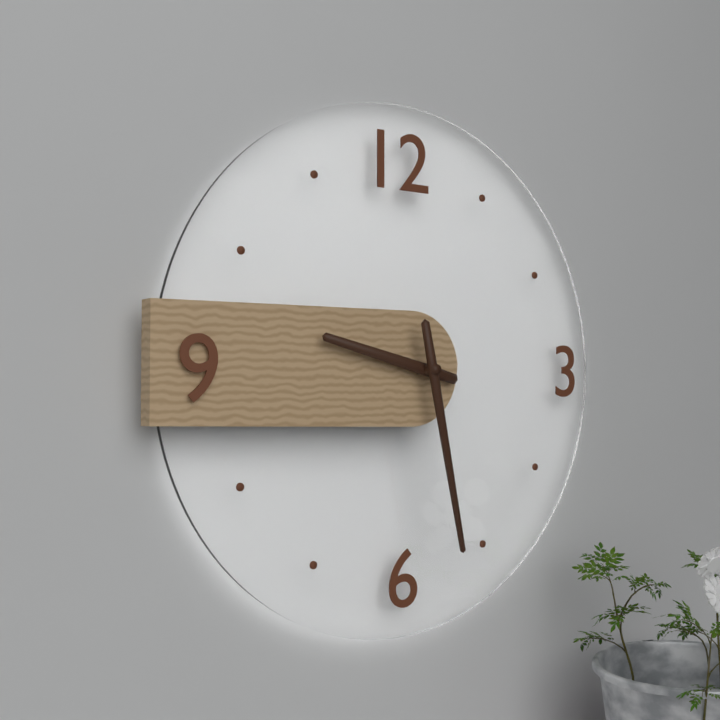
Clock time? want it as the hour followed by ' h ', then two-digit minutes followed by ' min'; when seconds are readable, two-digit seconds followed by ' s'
9 h 28 min
